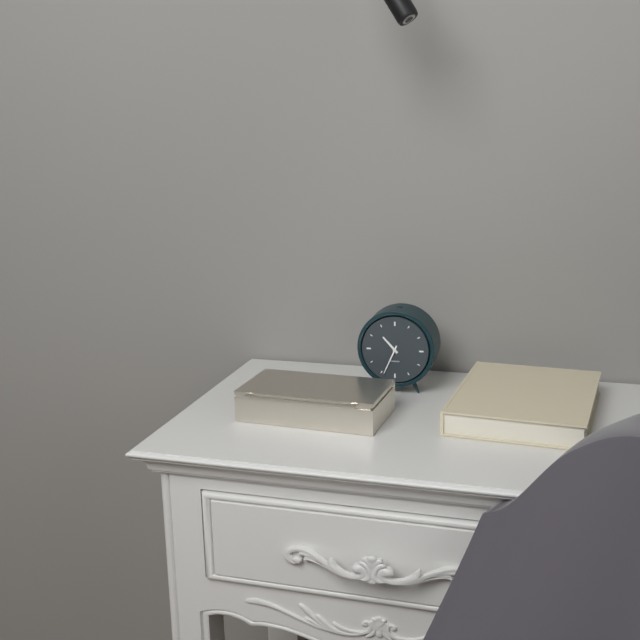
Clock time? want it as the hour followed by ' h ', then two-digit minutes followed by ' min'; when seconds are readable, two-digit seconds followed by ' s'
10 h 34 min
